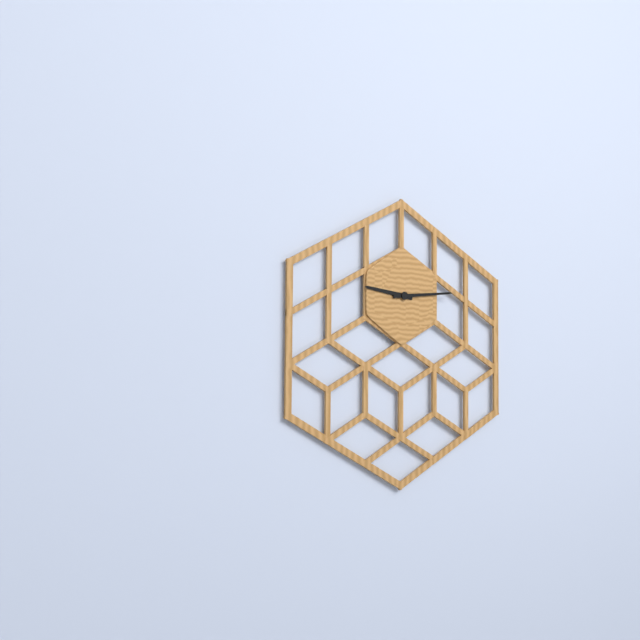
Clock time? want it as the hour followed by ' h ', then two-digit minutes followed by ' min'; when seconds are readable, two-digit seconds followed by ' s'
9 h 14 min
